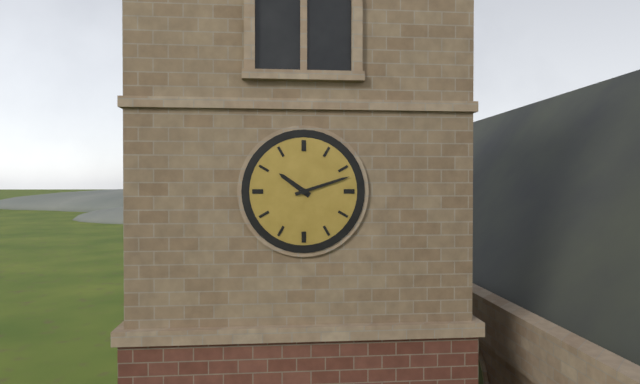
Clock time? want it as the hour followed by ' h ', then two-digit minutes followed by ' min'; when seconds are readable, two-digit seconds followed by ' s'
10 h 12 min
